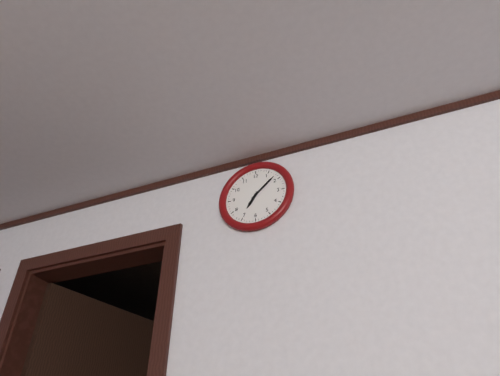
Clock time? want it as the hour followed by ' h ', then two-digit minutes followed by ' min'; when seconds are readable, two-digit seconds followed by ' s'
7 h 08 min
